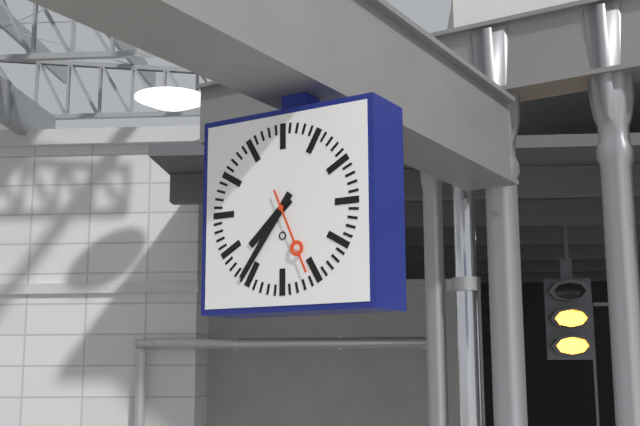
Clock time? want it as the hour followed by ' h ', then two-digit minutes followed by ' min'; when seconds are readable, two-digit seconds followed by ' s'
7 h 36 min 26 s
